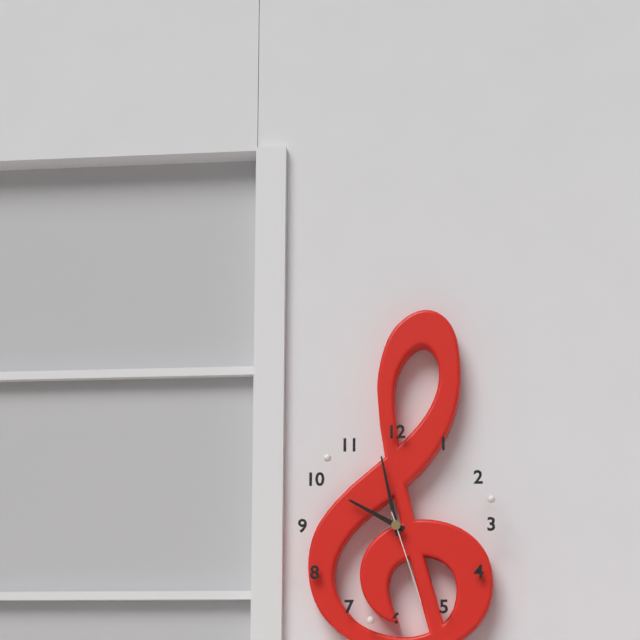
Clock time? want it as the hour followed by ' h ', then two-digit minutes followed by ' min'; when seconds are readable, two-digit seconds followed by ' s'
9 h 58 min 27 s
